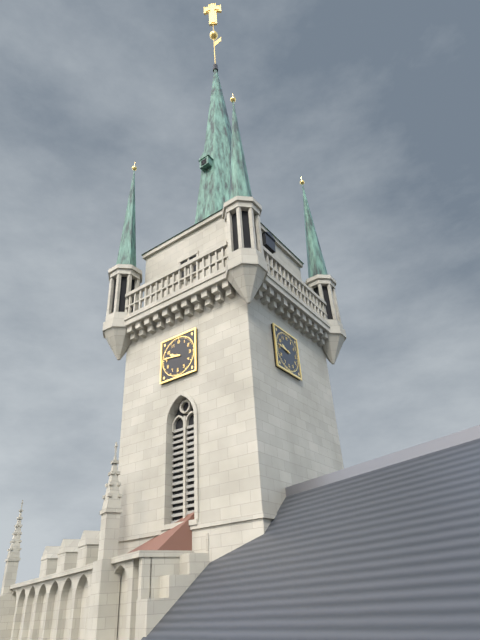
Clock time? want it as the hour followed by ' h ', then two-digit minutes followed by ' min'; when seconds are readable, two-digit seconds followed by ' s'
9 h 46 min
